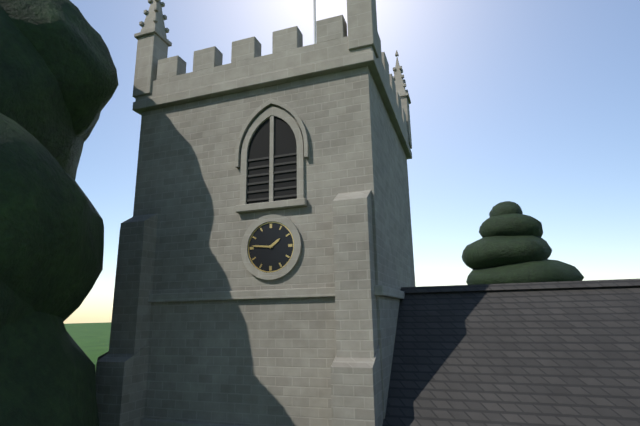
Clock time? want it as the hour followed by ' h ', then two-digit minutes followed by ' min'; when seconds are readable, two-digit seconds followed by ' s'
1 h 46 min
